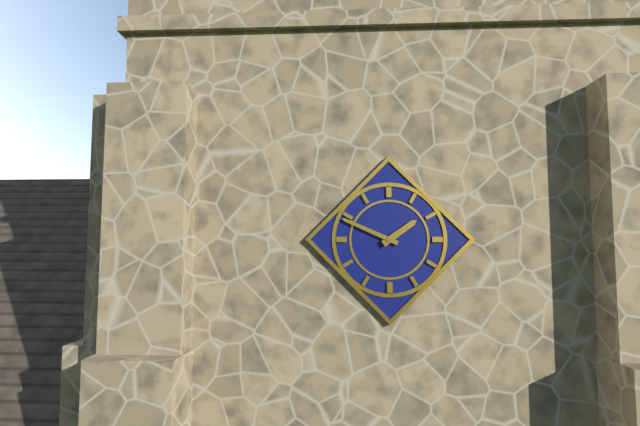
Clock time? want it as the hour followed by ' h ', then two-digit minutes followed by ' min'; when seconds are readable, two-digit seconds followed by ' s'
1 h 49 min
